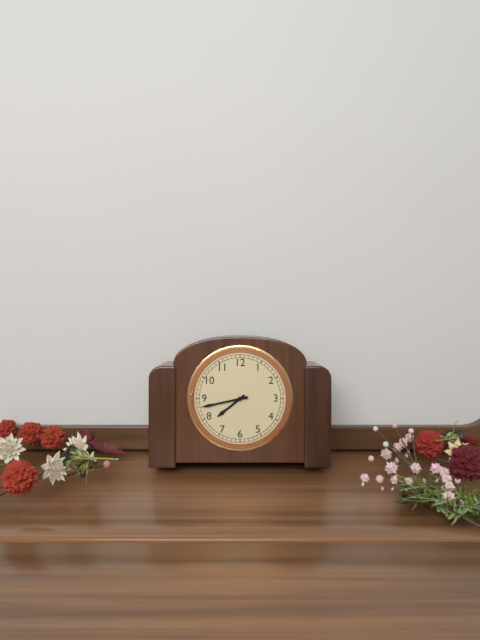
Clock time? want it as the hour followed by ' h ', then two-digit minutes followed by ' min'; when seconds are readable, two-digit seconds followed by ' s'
7 h 43 min
